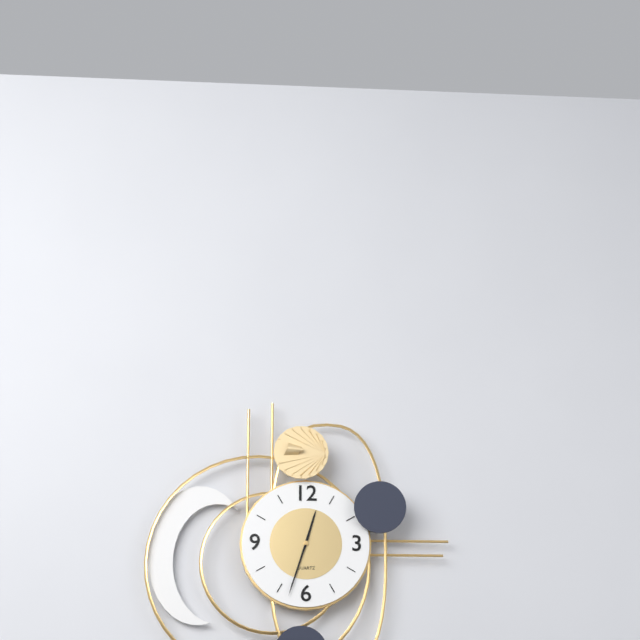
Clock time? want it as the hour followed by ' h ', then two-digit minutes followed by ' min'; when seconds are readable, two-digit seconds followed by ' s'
12 h 33 min
